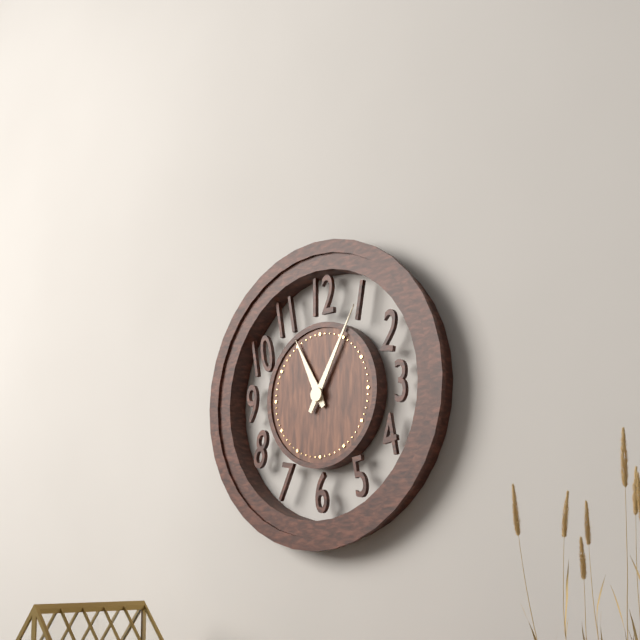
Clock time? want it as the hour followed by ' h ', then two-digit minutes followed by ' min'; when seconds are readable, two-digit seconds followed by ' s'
11 h 05 min
